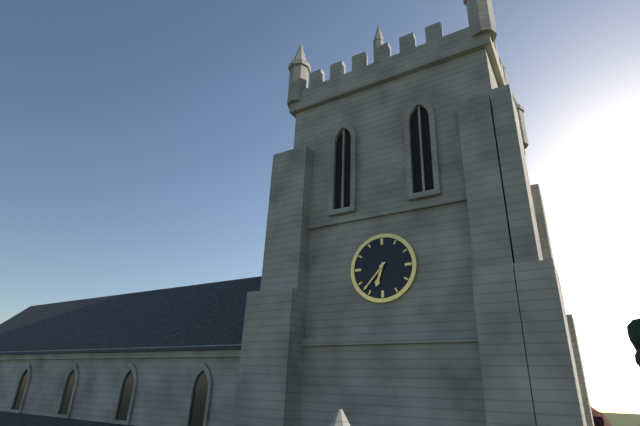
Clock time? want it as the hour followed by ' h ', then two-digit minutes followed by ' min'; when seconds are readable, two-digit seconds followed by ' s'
6 h 37 min
